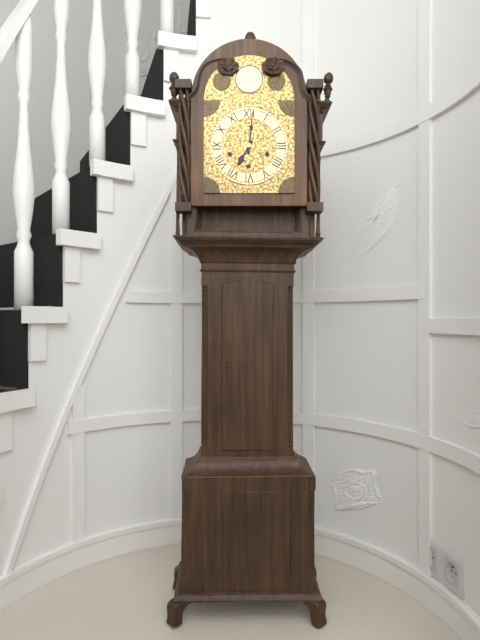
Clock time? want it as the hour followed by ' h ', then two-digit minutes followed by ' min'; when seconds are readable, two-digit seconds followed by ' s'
7 h 01 min
